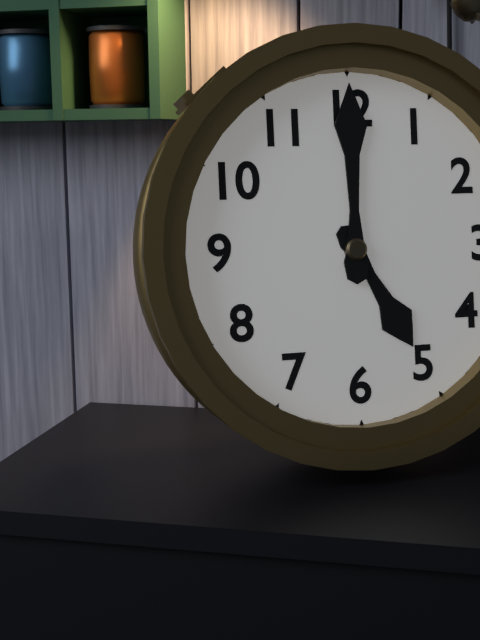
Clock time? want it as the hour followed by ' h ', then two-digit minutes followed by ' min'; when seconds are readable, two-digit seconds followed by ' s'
5 h 00 min
